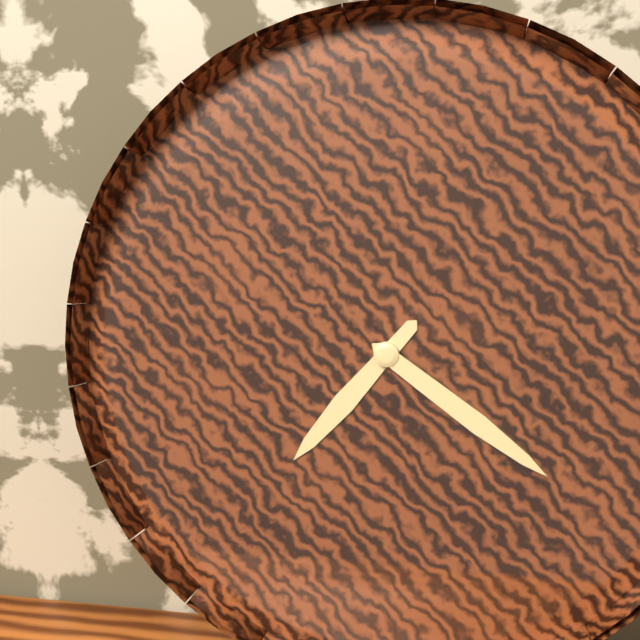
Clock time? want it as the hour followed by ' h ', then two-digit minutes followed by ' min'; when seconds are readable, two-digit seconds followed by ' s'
7 h 21 min
